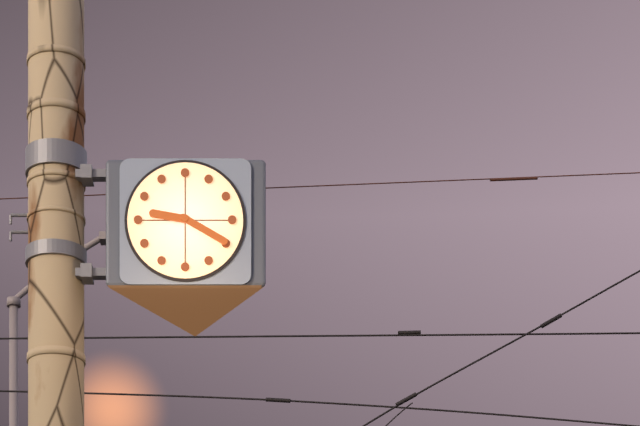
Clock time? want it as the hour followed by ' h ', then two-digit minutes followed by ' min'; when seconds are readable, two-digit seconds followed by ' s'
9 h 20 min
